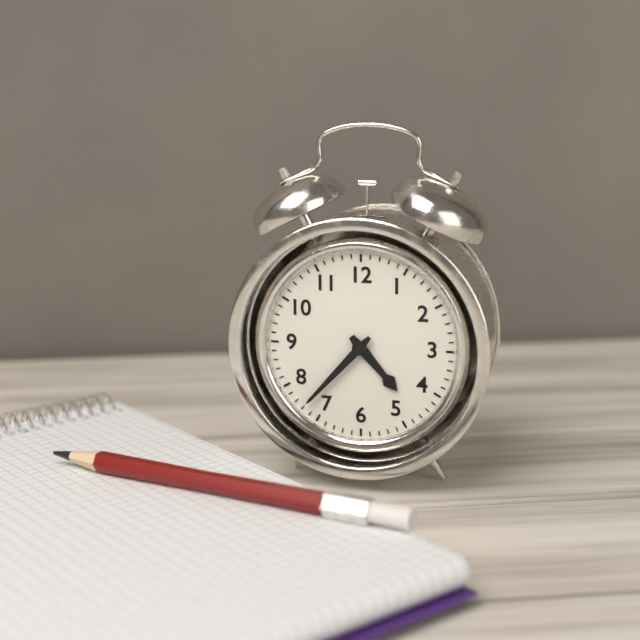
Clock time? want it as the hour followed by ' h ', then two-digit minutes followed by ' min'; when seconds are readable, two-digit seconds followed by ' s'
4 h 37 min
